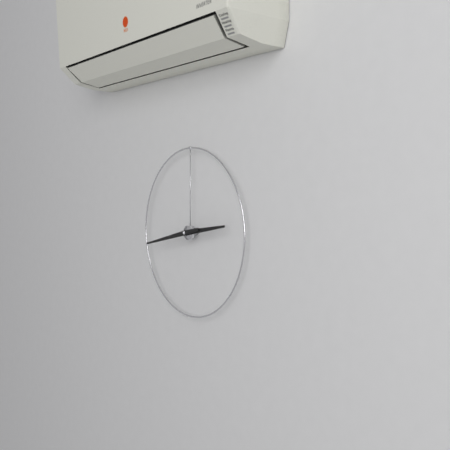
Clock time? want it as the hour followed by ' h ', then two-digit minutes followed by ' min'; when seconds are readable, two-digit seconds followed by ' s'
2 h 43 min
